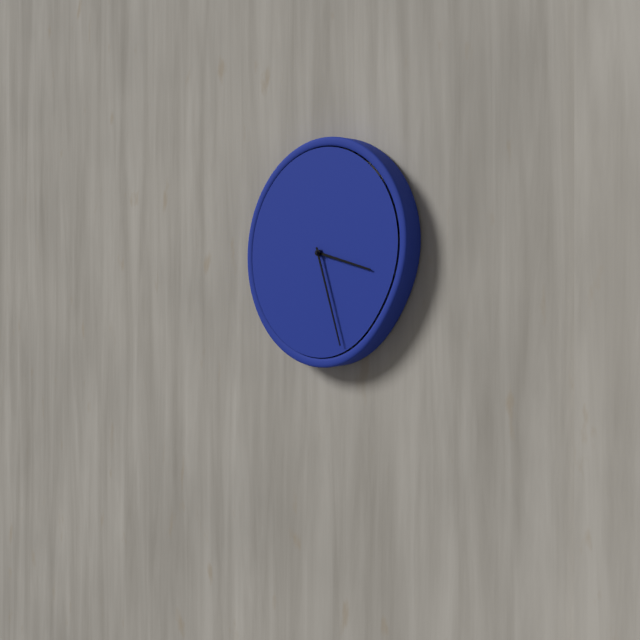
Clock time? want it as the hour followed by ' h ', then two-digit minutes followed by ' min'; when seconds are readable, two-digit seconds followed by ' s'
3 h 27 min
